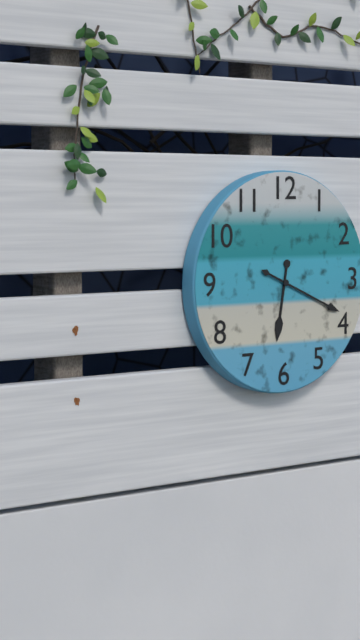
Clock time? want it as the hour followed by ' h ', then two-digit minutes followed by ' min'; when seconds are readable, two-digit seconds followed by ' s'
6 h 19 min
